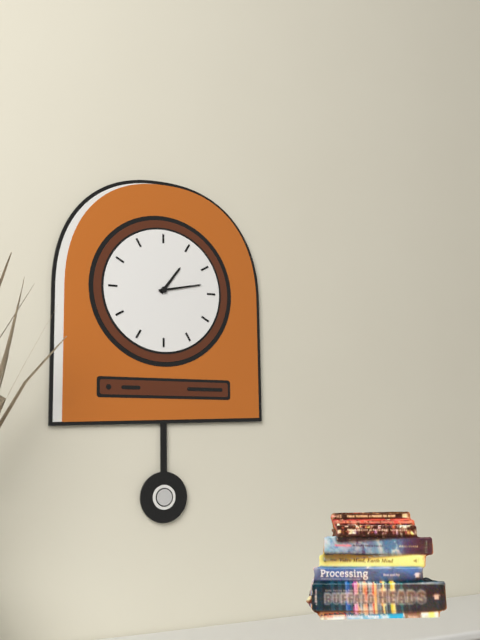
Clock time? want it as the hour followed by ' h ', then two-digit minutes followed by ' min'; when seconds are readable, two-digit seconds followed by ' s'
1 h 13 min
